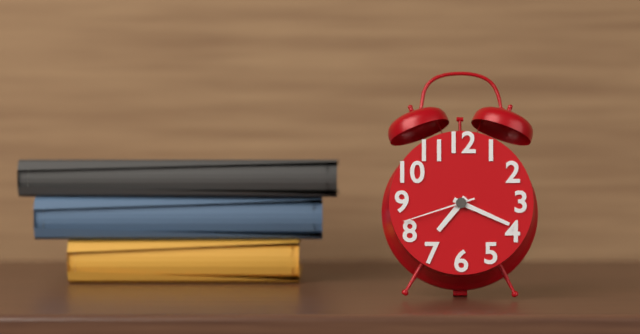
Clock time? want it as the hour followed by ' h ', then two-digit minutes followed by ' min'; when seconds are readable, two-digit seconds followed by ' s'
7 h 19 min 42 s
